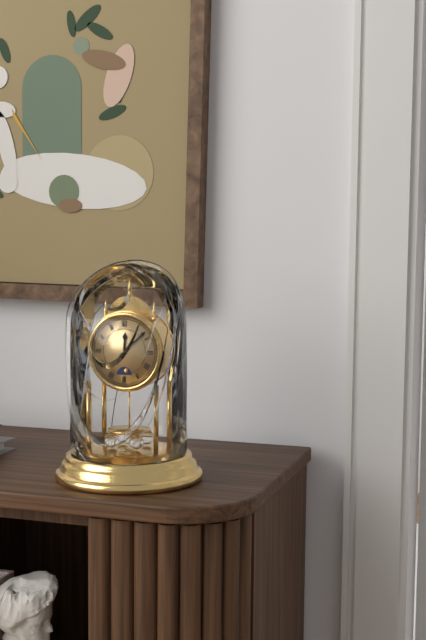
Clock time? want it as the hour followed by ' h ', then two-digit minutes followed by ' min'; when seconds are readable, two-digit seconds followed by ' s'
12 h 08 min
